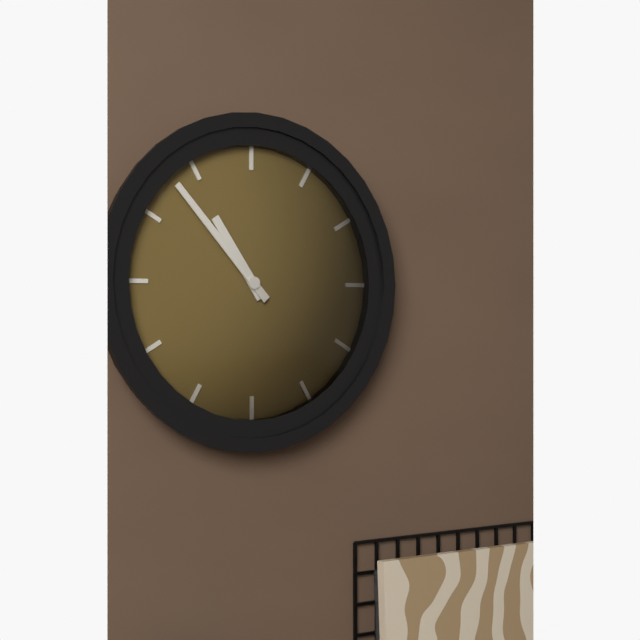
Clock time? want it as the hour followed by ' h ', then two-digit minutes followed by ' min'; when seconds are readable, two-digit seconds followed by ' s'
10 h 53 min
